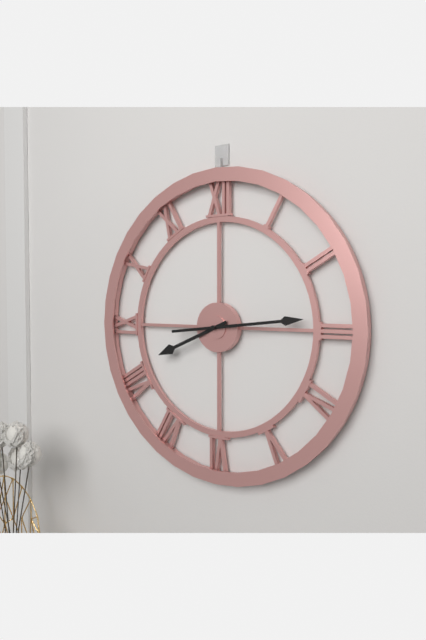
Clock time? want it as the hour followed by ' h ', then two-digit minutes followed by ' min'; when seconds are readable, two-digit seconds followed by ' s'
8 h 14 min
